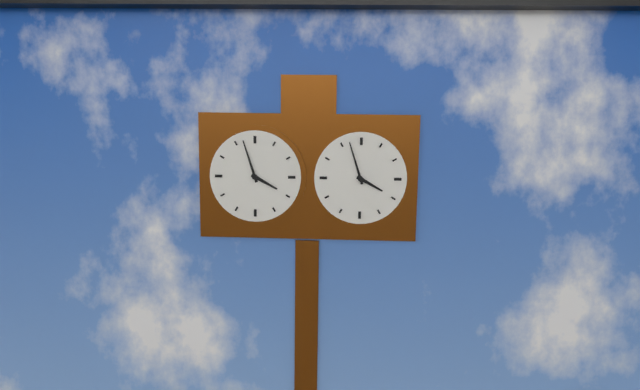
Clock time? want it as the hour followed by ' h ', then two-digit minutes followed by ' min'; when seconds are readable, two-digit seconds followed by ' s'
3 h 57 min
